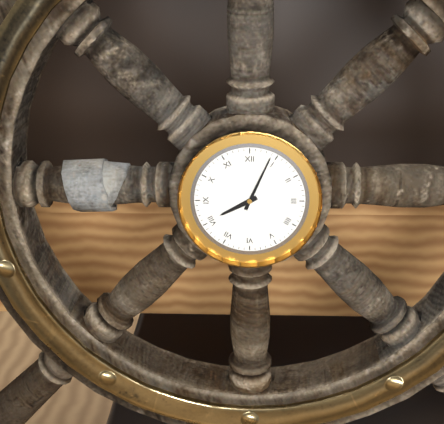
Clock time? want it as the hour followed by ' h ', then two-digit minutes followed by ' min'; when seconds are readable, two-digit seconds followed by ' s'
8 h 04 min
